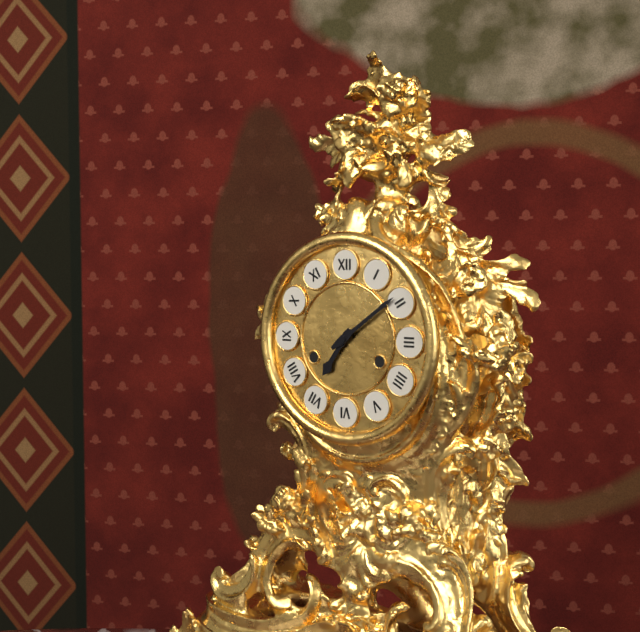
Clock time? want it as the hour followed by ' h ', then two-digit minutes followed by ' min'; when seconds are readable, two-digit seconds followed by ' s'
7 h 09 min
